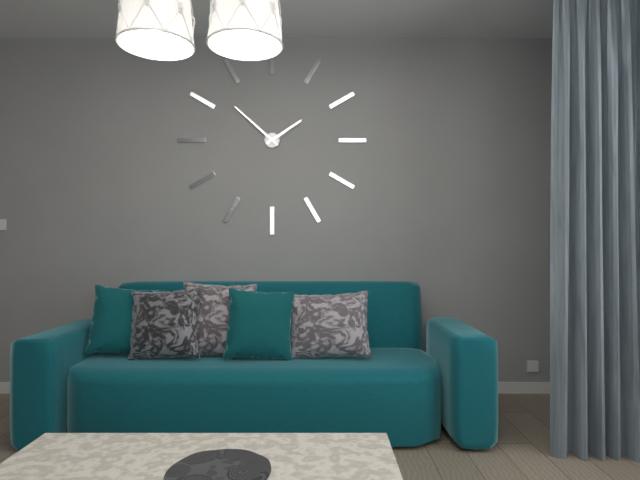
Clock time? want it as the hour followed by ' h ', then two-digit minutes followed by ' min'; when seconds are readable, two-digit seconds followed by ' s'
1 h 52 min
